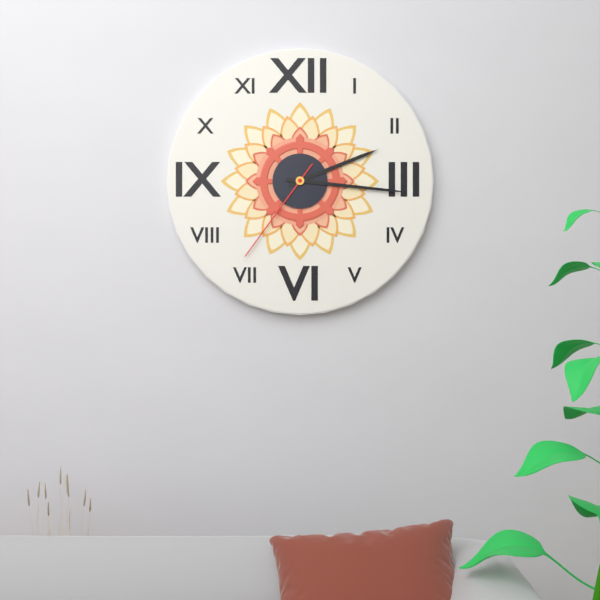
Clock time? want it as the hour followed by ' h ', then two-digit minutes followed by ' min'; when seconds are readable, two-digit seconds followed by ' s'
2 h 16 min 36 s
